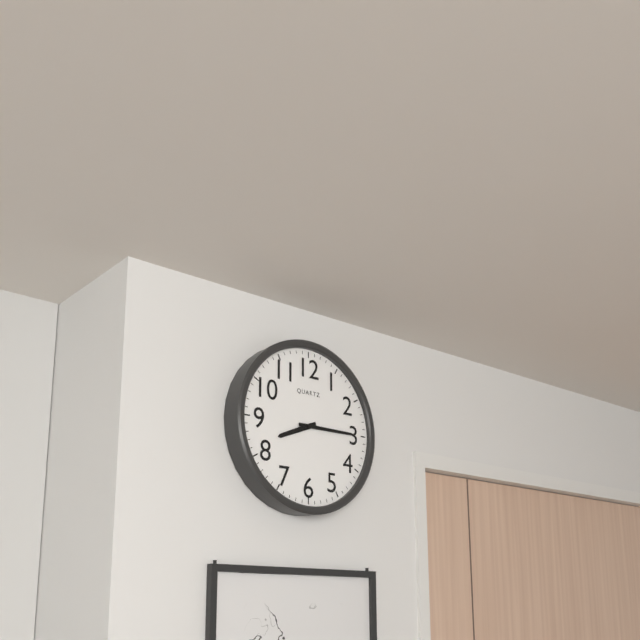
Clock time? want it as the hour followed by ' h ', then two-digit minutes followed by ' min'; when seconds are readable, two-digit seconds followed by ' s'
8 h 15 min
